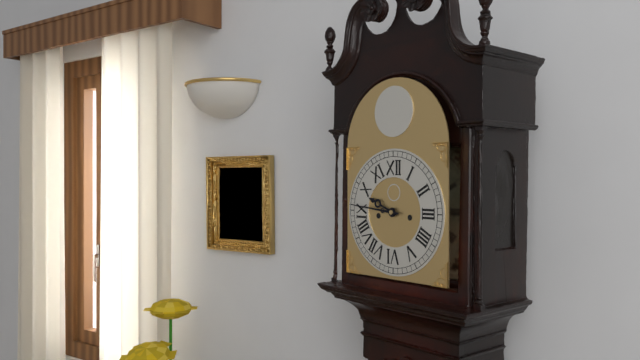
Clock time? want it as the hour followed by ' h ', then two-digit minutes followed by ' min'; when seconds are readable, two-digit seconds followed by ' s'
9 h 46 min
